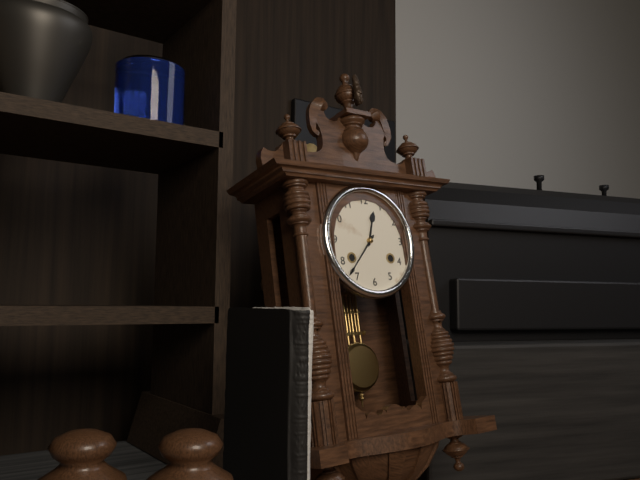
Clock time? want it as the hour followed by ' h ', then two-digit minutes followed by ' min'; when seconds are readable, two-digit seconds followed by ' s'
12 h 37 min
